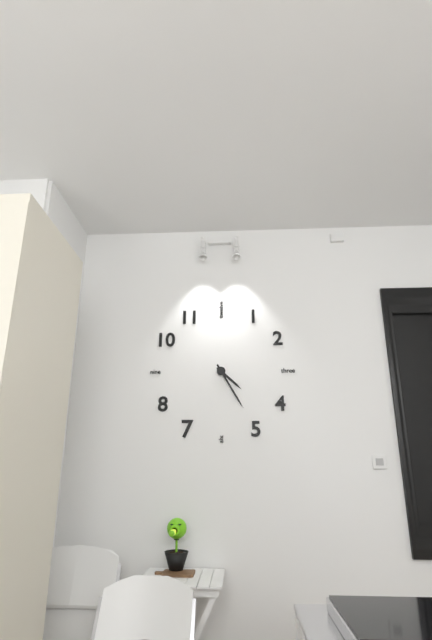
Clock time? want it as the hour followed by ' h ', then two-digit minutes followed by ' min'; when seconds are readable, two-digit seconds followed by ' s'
4 h 25 min
